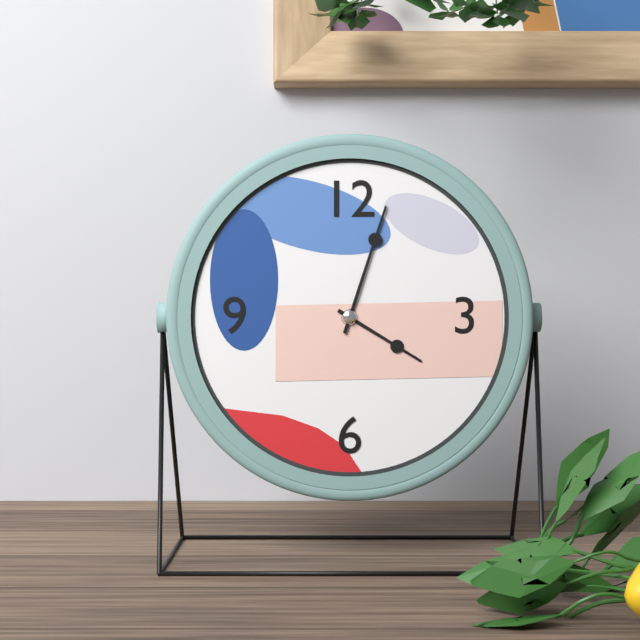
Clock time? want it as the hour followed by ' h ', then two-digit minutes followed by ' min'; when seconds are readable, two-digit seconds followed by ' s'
4 h 03 min
